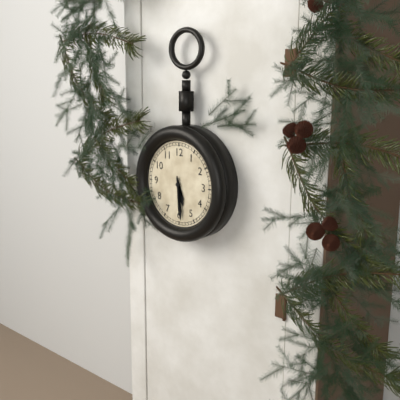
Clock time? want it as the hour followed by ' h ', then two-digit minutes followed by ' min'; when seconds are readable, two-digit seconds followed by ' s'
5 h 29 min
